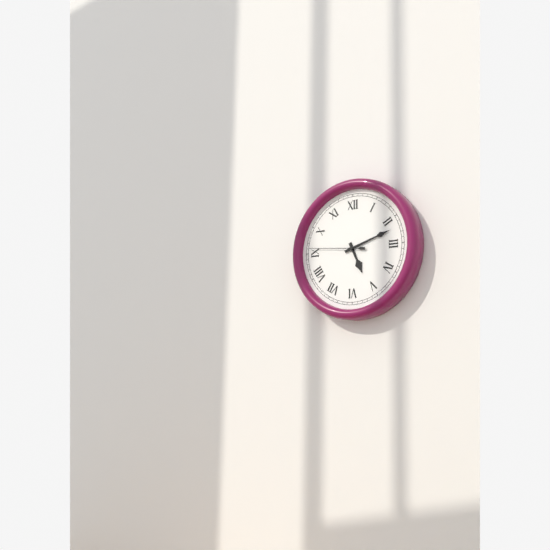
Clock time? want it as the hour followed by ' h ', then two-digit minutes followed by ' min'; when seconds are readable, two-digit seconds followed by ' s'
5 h 12 min 46 s
